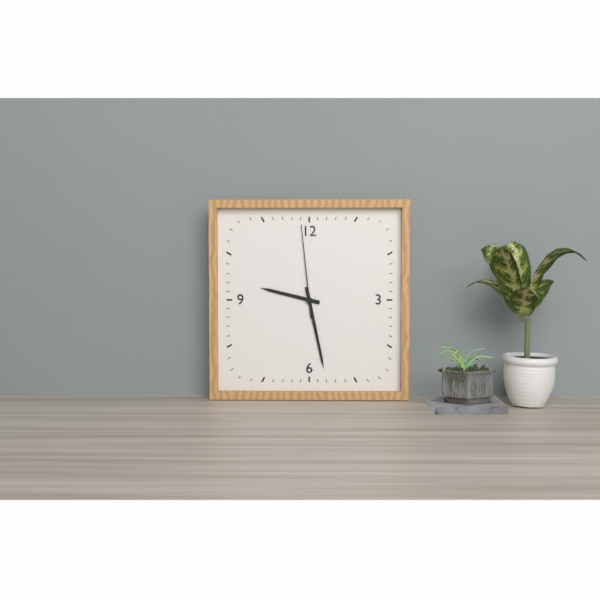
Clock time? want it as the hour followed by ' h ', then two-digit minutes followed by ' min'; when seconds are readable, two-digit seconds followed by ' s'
9 h 28 min 59 s
